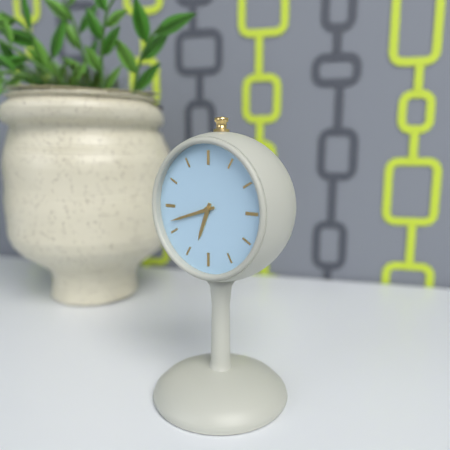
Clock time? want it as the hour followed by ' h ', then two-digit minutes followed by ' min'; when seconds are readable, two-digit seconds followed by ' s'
6 h 42 min
